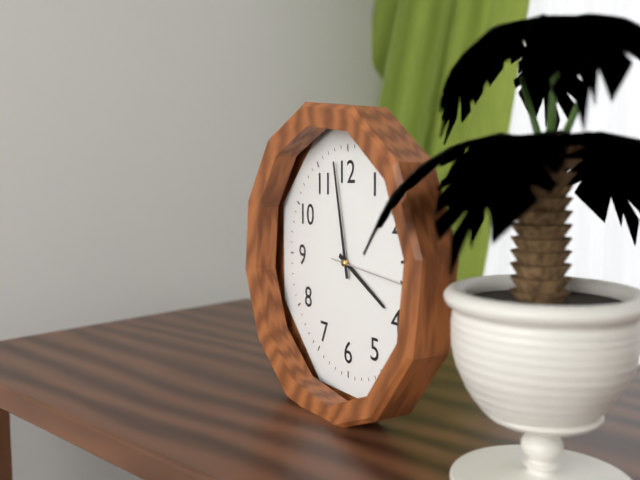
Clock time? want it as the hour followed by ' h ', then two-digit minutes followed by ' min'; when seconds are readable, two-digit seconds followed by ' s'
3 h 58 min 16 s
